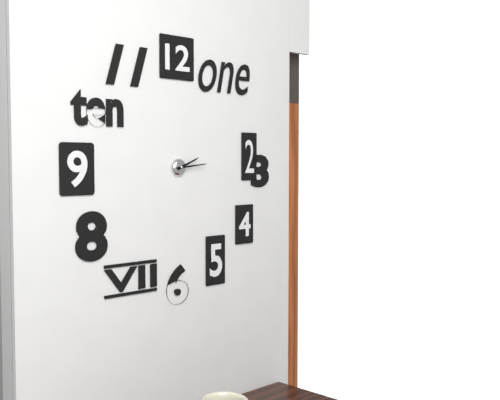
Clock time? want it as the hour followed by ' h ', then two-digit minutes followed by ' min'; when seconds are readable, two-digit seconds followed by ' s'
2 h 14 min
